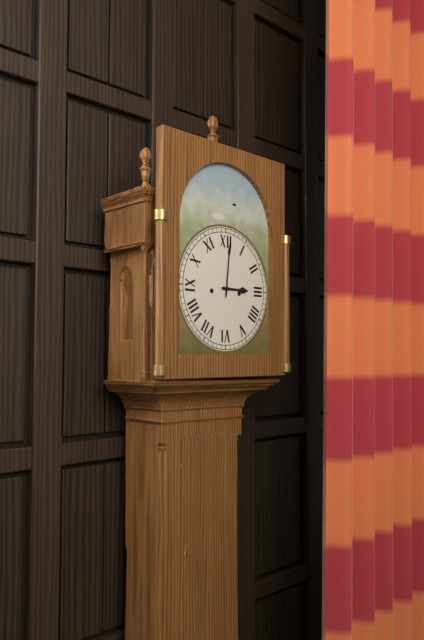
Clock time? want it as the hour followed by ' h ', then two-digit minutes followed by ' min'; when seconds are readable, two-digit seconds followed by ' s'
3 h 01 min
